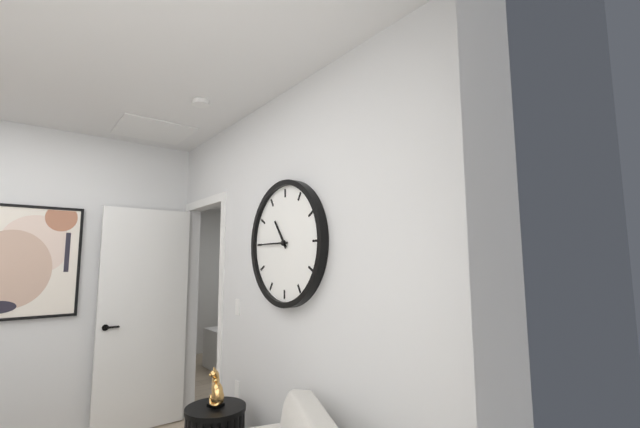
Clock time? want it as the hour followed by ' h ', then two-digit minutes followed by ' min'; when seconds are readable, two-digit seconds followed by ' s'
10 h 45 min
